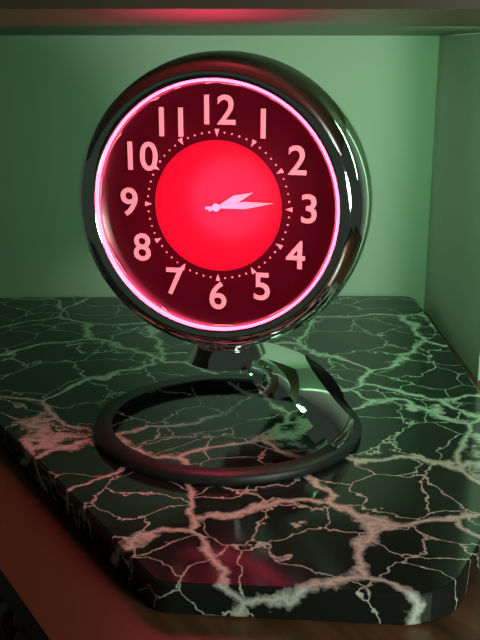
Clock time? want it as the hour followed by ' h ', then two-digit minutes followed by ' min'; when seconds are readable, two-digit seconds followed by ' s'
2 h 14 min
